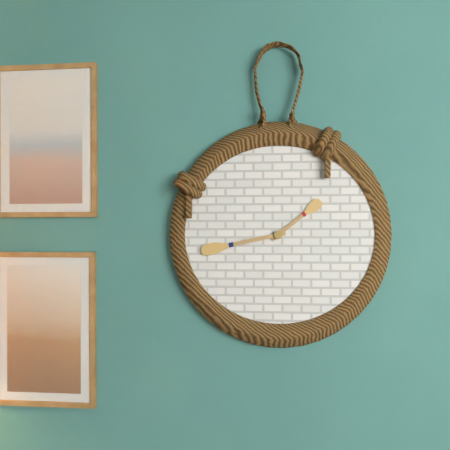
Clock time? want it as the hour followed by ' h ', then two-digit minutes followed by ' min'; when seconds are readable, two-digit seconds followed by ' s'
1 h 43 min
